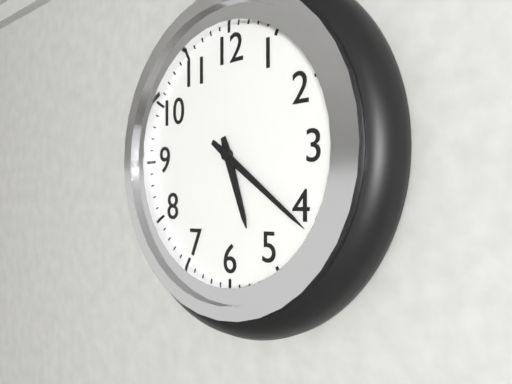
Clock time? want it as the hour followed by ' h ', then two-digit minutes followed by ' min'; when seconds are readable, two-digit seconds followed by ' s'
5 h 21 min
